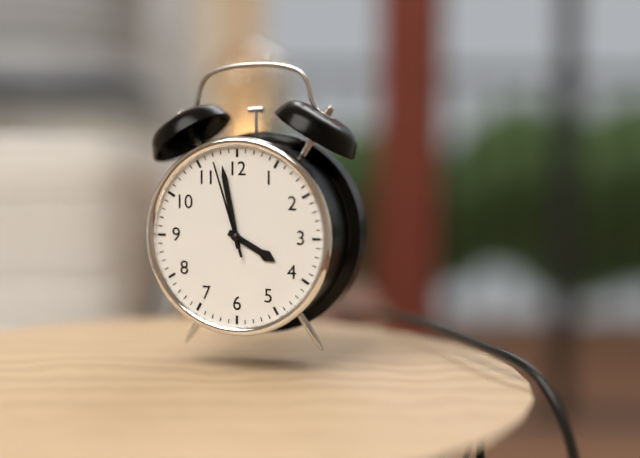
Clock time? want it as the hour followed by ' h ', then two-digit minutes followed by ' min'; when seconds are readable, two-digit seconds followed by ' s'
3 h 58 min 57 s
